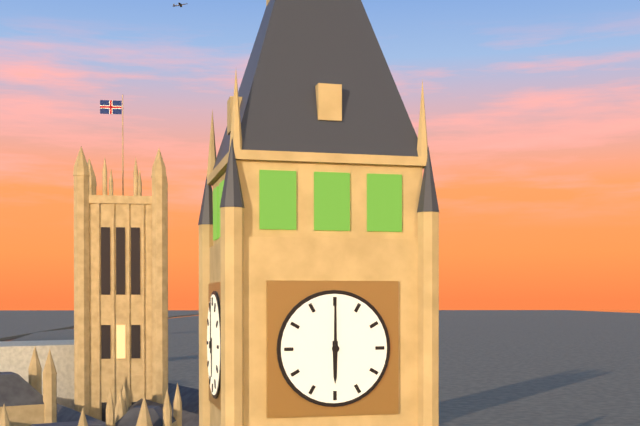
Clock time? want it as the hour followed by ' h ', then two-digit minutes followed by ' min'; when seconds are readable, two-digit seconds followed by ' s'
6 h 00 min
